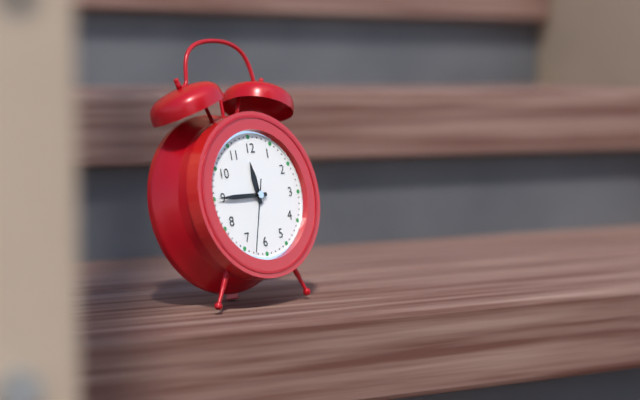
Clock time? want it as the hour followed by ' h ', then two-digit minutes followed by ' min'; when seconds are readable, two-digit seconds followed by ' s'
11 h 45 min 33 s
